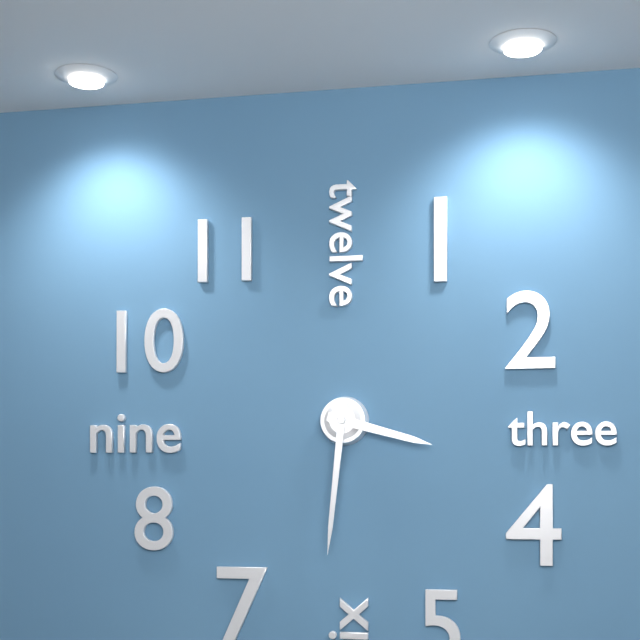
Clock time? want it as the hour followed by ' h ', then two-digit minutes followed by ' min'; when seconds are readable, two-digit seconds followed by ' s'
3 h 31 min
